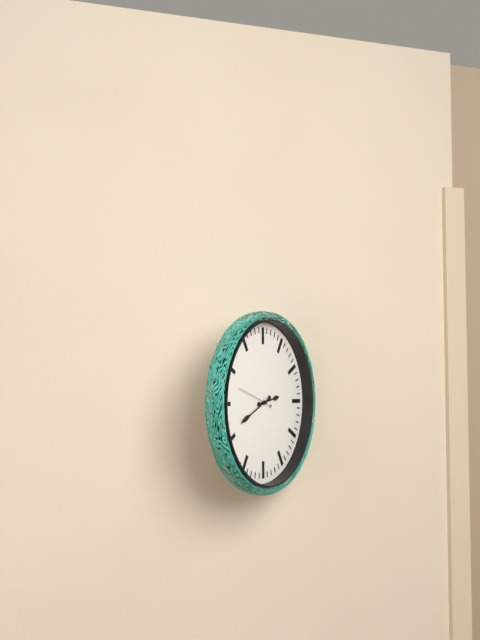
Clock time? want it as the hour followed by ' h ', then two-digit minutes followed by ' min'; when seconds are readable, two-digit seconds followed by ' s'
2 h 41 min
